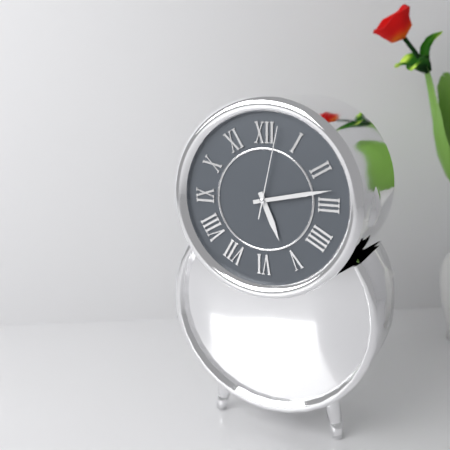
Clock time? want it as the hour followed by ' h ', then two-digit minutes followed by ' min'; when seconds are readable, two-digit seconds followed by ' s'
5 h 13 min 02 s
